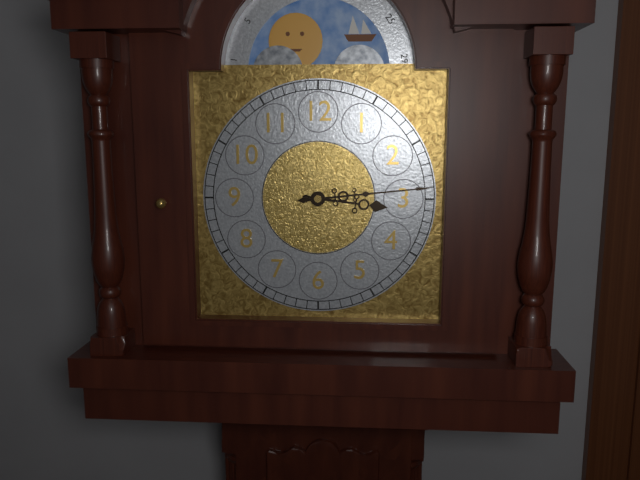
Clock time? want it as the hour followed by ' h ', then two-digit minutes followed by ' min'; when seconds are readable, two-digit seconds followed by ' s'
3 h 14 min
